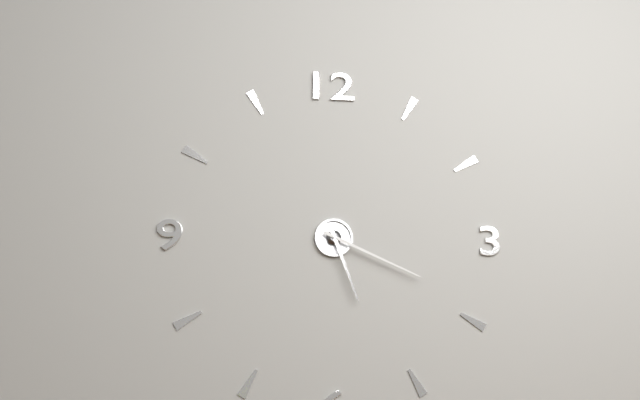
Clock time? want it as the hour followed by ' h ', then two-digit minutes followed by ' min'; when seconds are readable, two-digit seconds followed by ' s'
5 h 19 min
